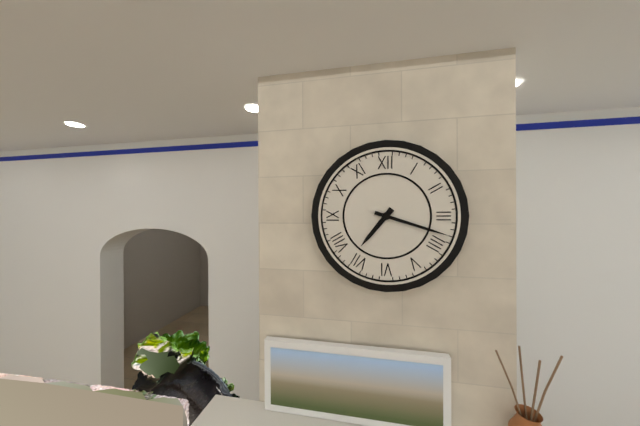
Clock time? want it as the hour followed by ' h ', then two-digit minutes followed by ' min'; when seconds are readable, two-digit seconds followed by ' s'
7 h 18 min
